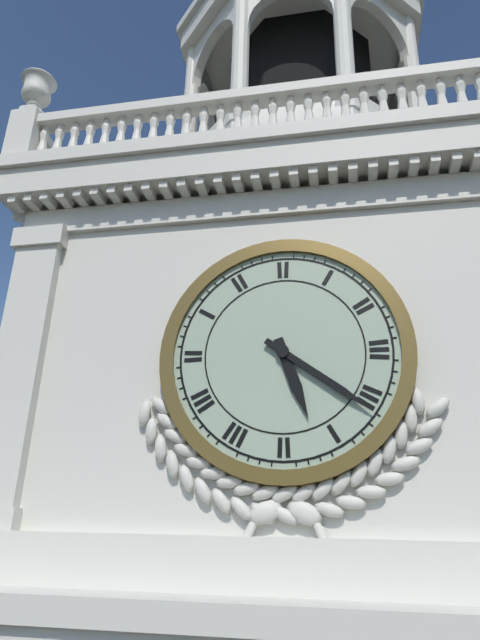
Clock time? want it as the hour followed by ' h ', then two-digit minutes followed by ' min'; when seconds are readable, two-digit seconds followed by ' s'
5 h 21 min
